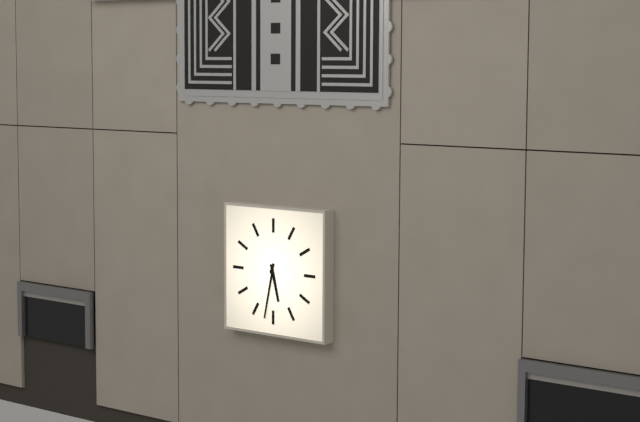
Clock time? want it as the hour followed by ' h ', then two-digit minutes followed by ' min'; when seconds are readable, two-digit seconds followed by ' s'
5 h 32 min
